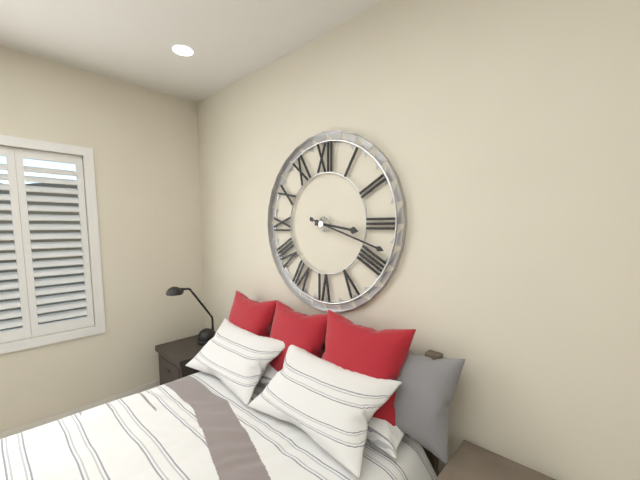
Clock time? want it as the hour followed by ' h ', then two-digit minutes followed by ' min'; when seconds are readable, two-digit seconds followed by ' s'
3 h 18 min
